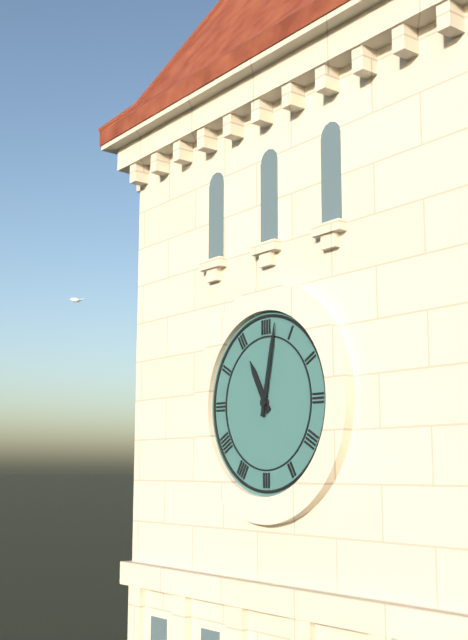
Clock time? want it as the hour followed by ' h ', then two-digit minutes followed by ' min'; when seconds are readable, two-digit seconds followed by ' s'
11 h 02 min
